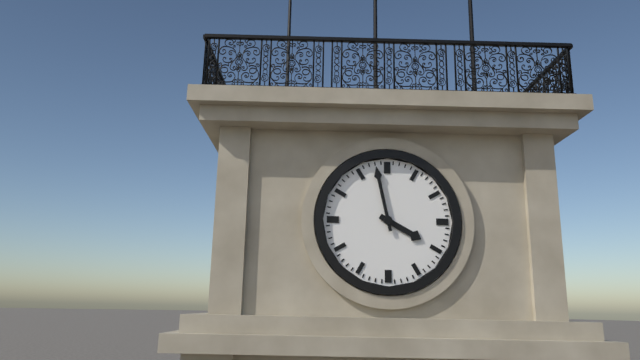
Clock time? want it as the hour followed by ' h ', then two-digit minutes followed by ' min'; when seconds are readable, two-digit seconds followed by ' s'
3 h 58 min
